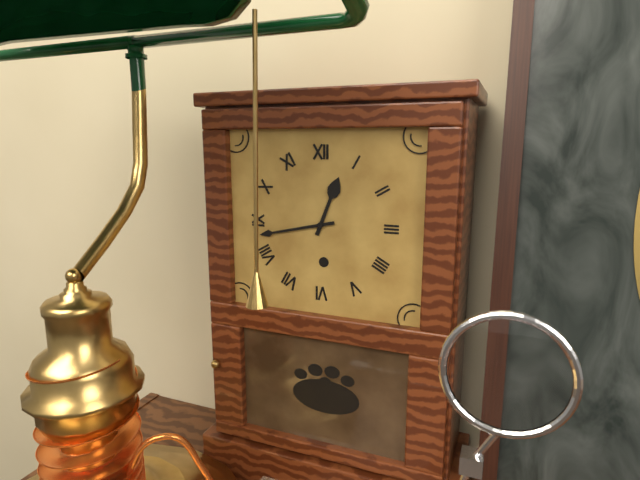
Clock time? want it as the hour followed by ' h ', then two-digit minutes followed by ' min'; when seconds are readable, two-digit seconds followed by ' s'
12 h 43 min
